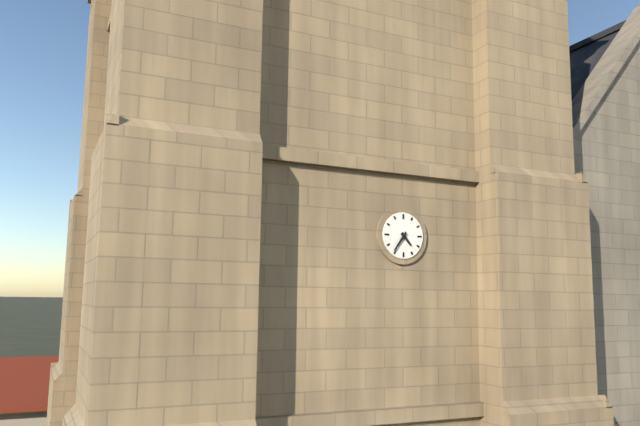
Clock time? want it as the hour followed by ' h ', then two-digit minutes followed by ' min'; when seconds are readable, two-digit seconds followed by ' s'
4 h 36 min
